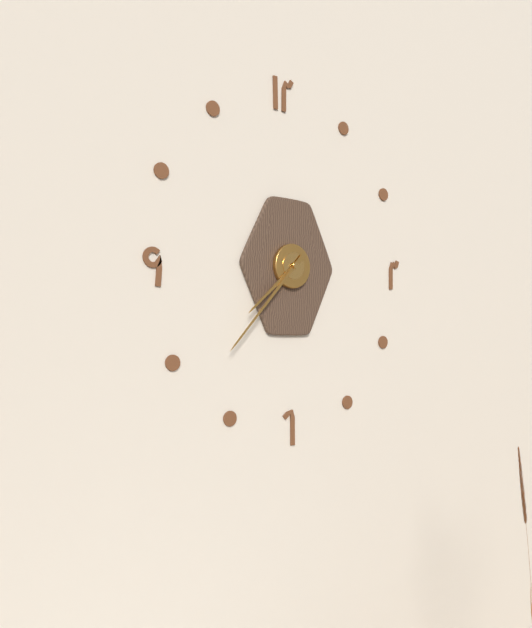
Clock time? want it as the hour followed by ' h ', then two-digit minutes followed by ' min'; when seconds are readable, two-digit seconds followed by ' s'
7 h 37 min
